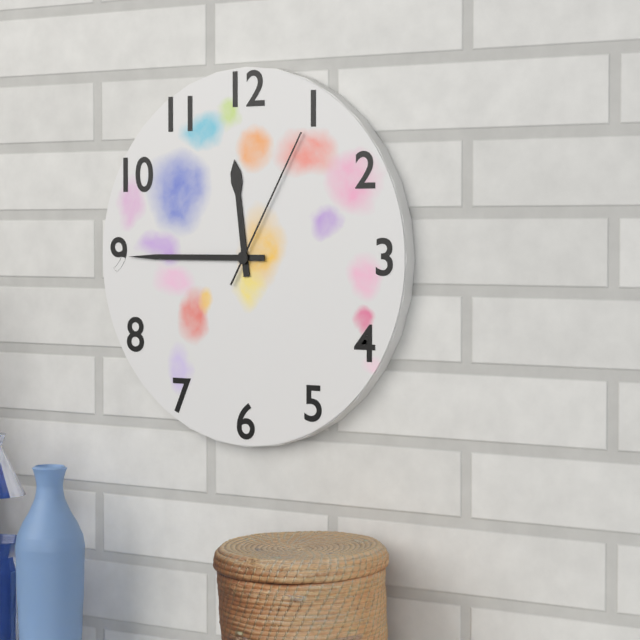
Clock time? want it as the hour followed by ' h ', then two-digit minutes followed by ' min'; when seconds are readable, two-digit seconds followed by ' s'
11 h 45 min 05 s
